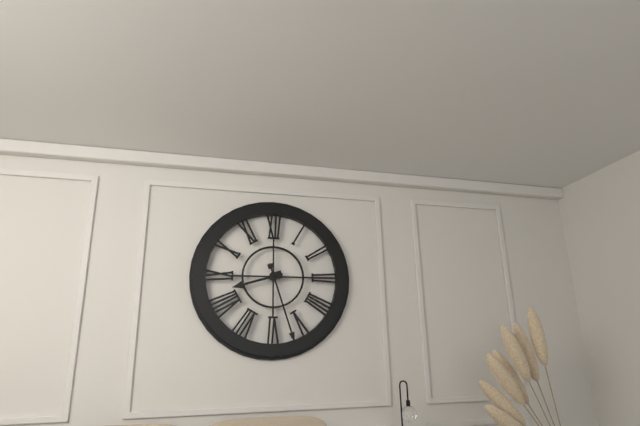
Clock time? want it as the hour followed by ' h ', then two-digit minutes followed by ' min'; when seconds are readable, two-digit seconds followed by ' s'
8 h 27 min
